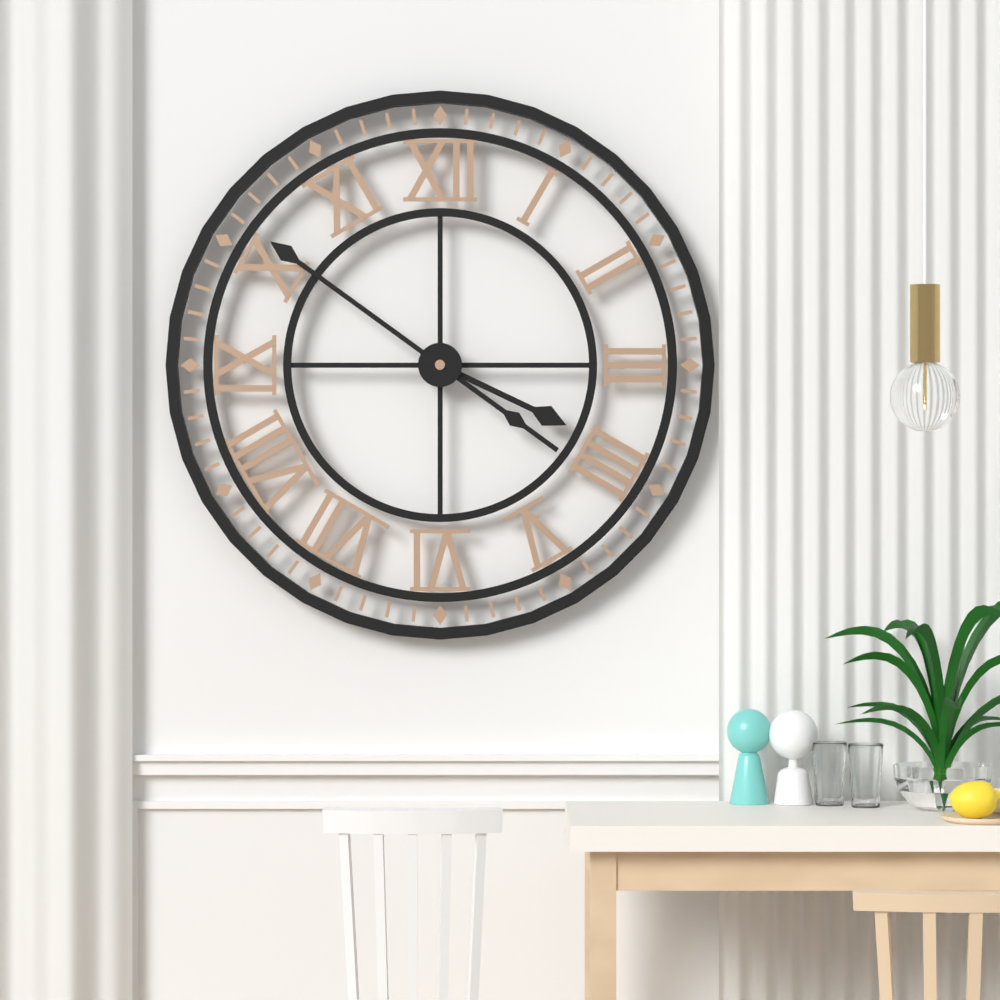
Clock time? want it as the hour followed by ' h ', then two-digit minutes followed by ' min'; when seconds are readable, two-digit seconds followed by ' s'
3 h 51 min
